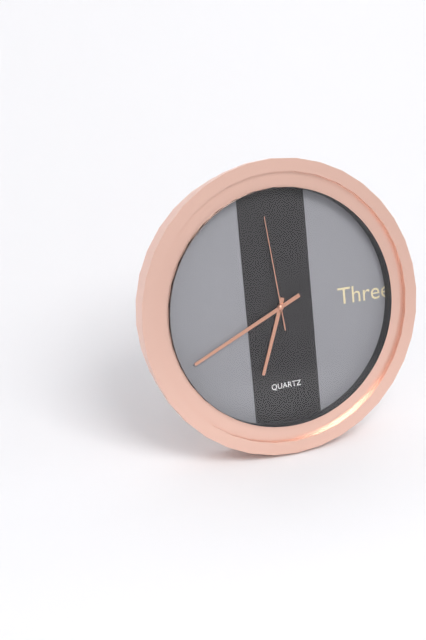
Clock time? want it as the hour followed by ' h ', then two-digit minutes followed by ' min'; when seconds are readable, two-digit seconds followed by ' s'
6 h 41 min 59 s
